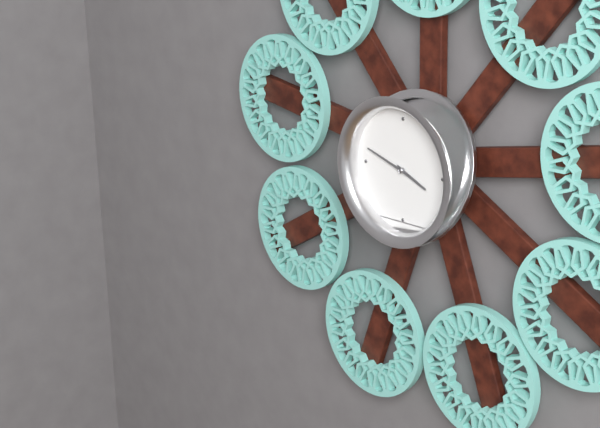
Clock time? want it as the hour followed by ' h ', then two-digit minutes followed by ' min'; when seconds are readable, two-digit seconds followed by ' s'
3 h 48 min
